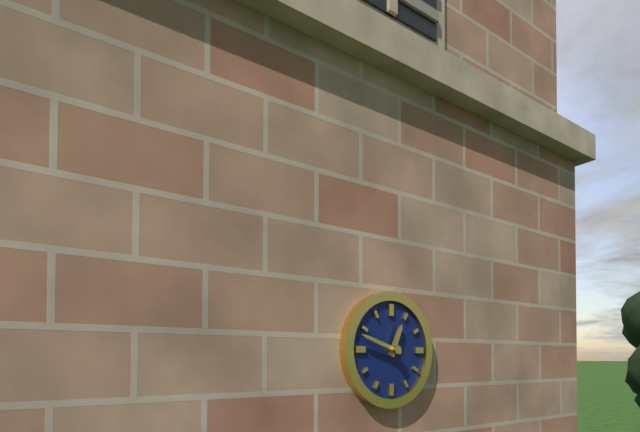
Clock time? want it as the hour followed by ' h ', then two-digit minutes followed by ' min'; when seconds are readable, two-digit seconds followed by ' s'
12 h 48 min
